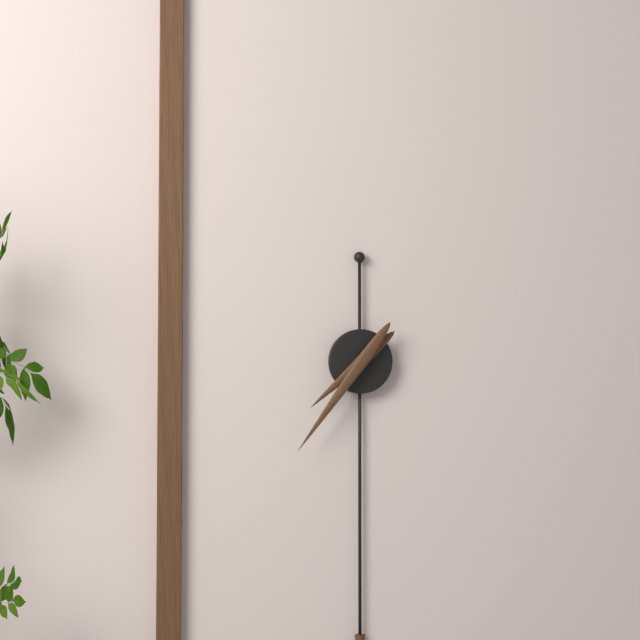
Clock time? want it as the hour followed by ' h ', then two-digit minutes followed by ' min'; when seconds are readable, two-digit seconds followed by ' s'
7 h 36 min
